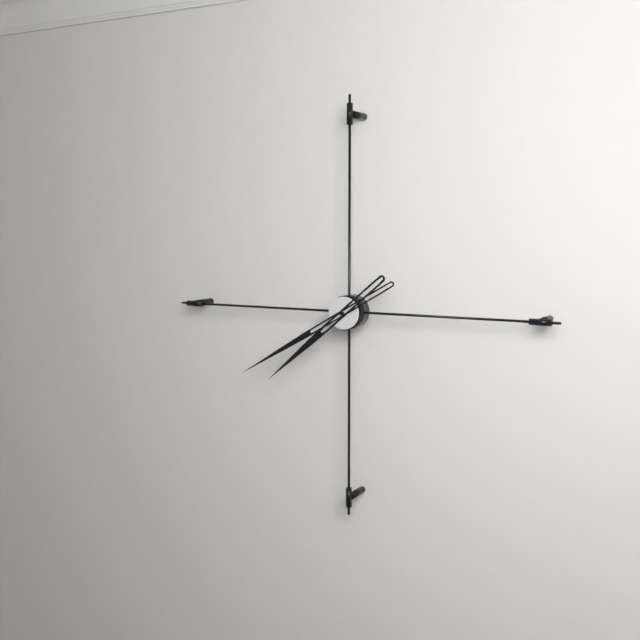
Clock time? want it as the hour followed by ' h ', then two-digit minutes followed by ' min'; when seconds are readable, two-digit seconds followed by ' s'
7 h 40 min
